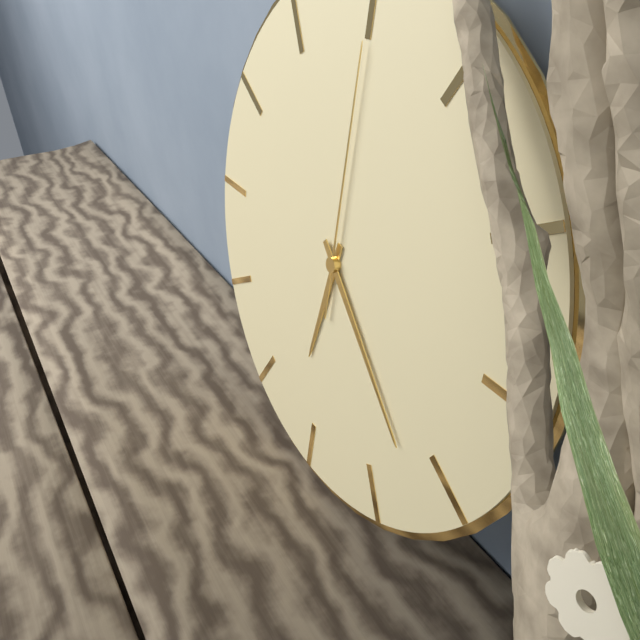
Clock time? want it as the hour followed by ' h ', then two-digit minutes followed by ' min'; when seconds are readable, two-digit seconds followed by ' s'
6 h 22 min 00 s
